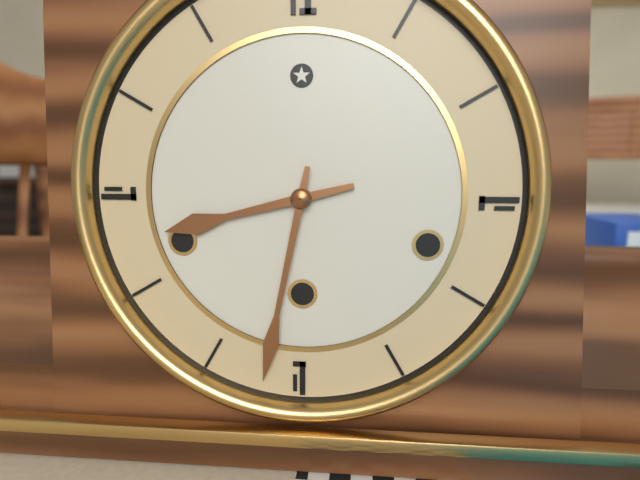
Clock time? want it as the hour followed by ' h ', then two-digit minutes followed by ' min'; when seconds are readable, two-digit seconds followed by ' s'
8 h 32 min
